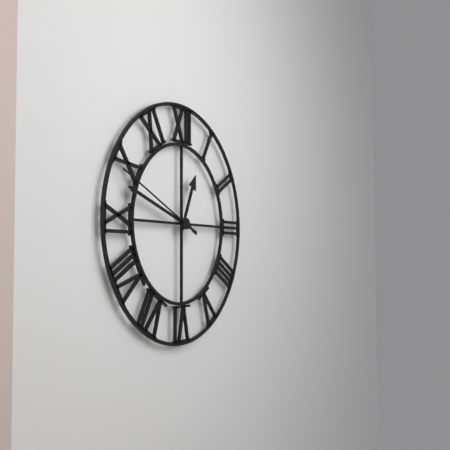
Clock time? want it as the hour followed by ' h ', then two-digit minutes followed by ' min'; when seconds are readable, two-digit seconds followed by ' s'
12 h 48 min 49 s
